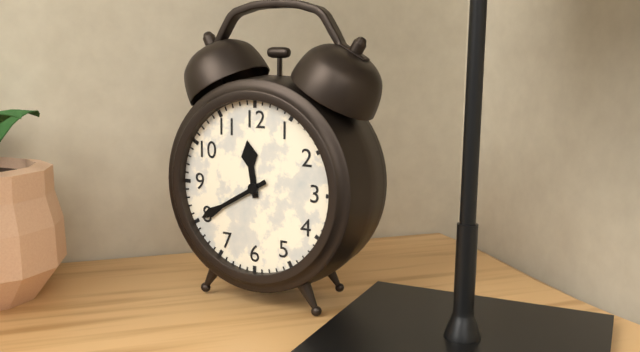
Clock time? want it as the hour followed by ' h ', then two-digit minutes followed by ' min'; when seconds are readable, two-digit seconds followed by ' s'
11 h 40 min
